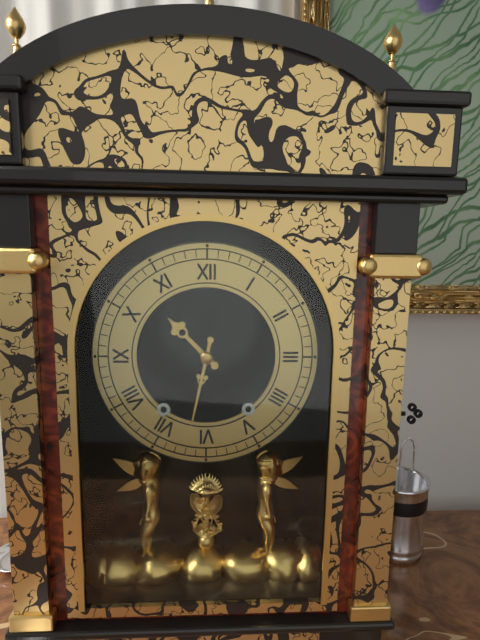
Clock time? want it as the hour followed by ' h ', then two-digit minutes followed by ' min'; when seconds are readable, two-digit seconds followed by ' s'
10 h 32 min
